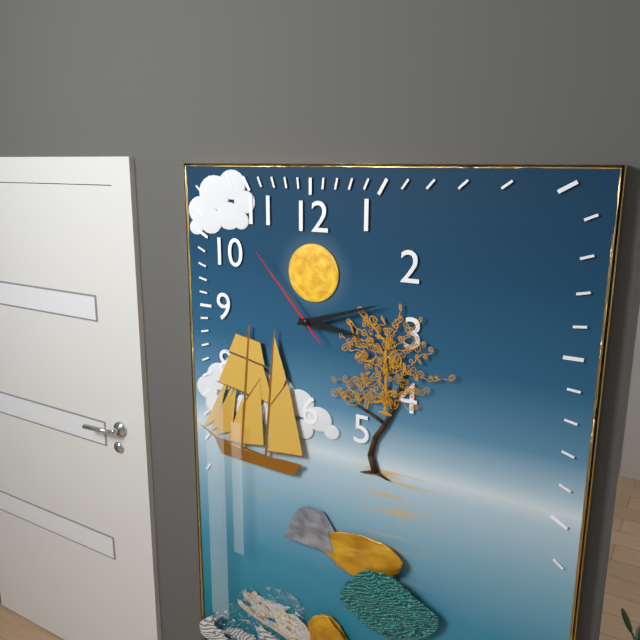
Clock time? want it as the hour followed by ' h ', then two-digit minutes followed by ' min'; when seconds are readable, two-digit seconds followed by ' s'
3 h 12 min 53 s
